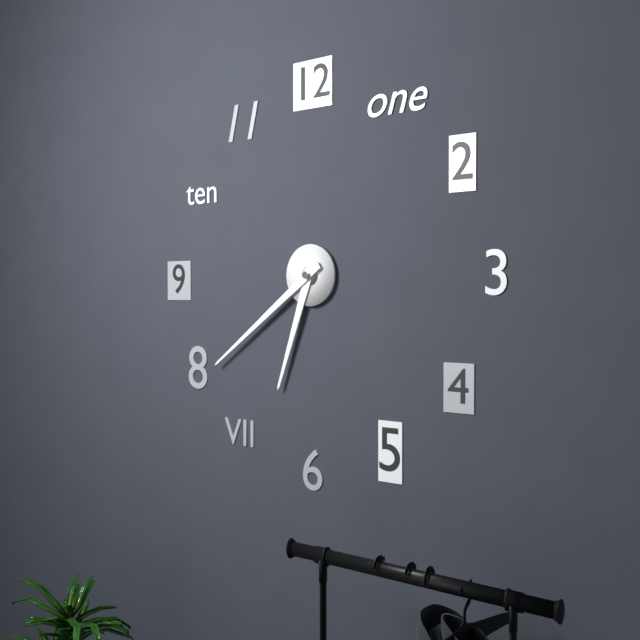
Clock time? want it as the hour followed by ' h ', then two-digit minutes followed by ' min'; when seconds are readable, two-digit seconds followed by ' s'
6 h 39 min
